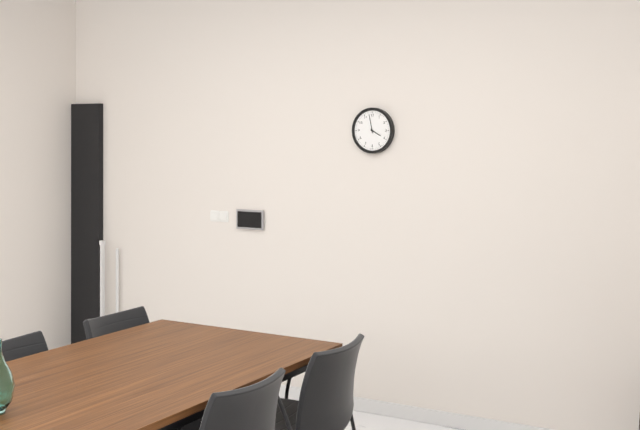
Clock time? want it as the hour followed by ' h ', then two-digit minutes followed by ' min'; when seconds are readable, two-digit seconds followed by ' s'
3 h 58 min
